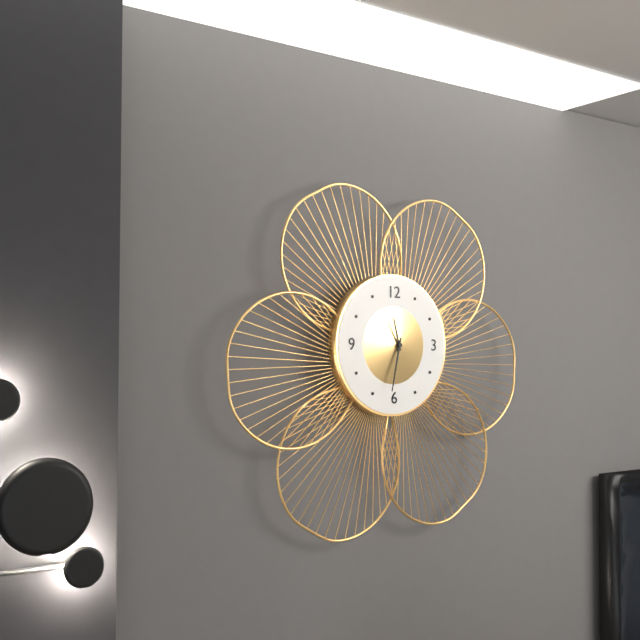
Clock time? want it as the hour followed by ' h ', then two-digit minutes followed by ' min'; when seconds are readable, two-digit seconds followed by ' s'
11 h 32 min
